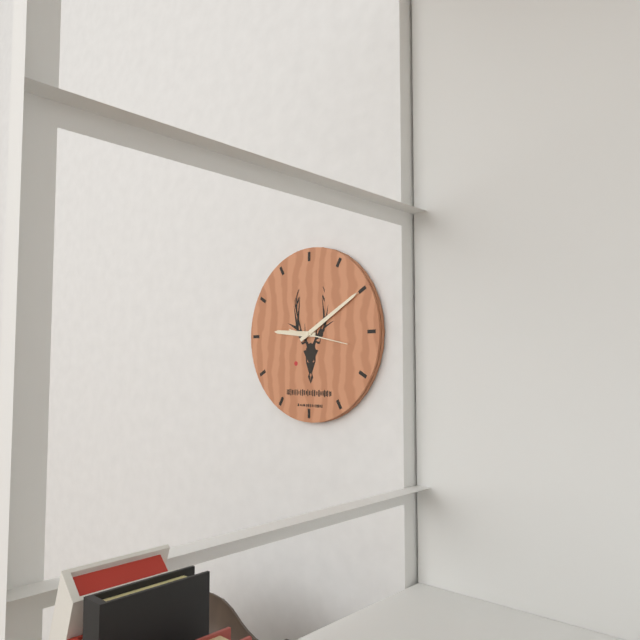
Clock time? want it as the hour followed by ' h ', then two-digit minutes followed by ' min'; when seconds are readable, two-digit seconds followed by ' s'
9 h 10 min
